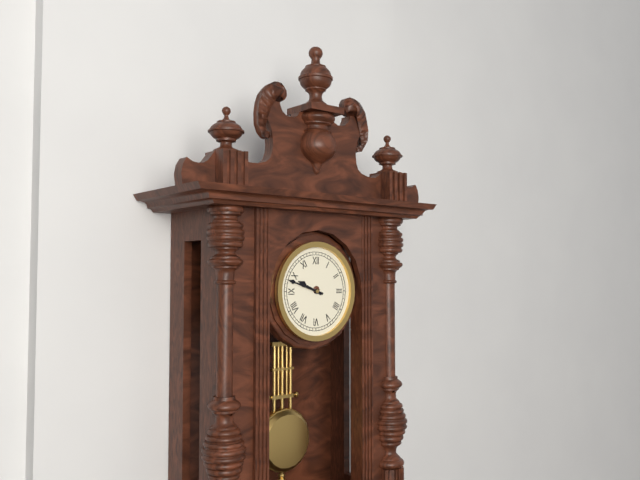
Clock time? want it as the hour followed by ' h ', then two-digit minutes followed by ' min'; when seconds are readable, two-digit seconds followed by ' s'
9 h 48 min
